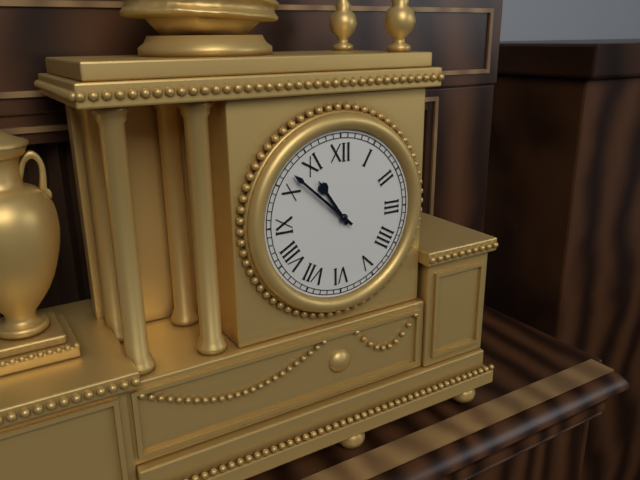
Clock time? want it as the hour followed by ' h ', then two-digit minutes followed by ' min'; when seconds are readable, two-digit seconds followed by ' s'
10 h 52 min
